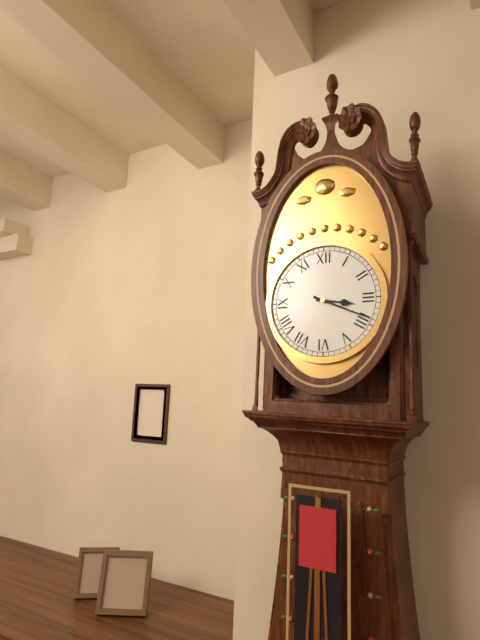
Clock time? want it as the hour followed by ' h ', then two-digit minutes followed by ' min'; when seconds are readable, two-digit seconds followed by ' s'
3 h 19 min
